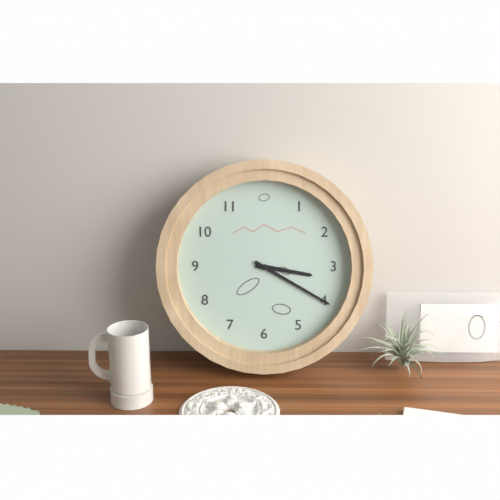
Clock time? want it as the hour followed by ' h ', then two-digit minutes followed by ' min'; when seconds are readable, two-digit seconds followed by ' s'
3 h 20 min
